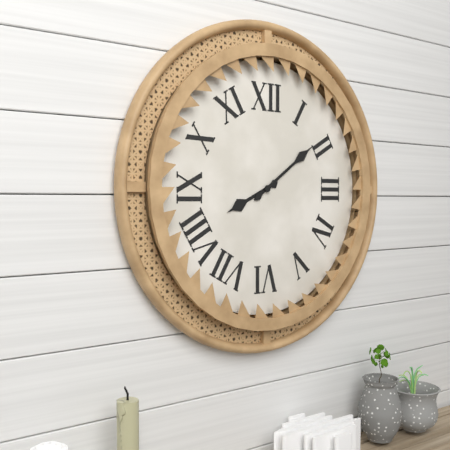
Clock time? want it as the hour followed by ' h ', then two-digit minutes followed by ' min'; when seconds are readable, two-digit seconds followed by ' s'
8 h 09 min
